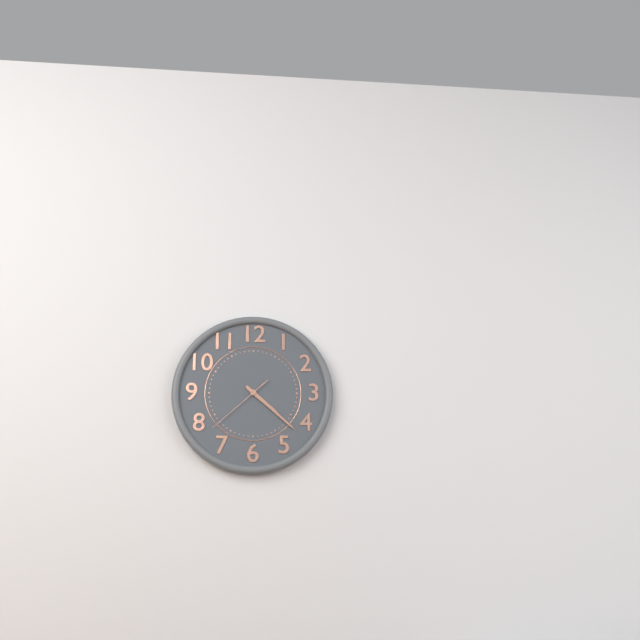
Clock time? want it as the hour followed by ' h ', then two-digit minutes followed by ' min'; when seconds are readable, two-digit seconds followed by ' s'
4 h 22 min 38 s
